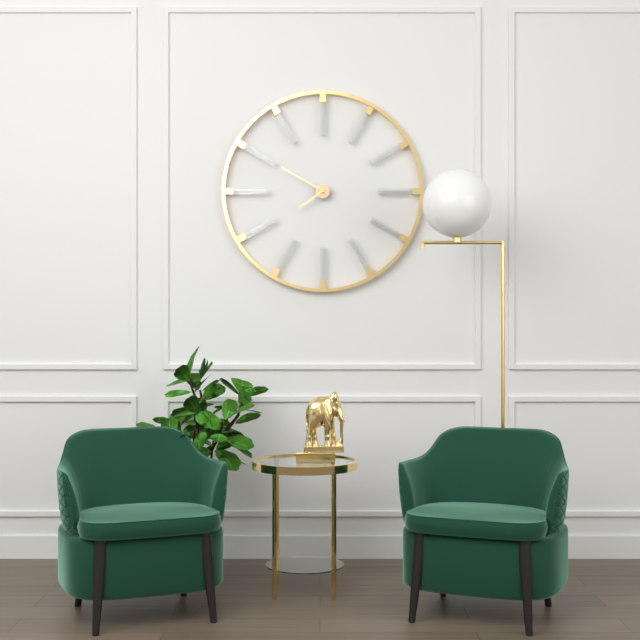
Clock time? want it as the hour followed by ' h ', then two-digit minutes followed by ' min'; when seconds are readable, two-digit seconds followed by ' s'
7 h 50 min
